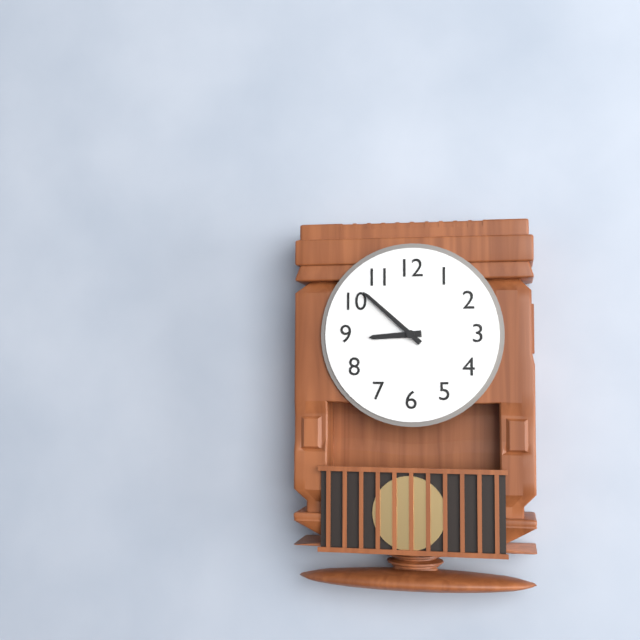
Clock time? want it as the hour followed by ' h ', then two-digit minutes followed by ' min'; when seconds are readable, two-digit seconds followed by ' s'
8 h 52 min
